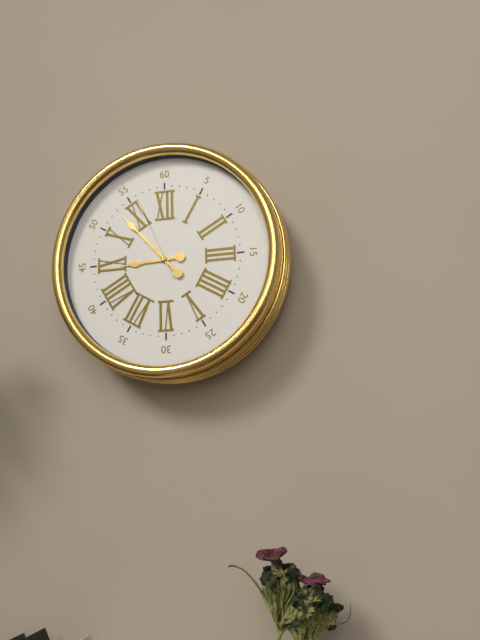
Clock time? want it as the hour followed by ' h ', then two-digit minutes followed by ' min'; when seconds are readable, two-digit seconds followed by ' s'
8 h 53 min 56 s
